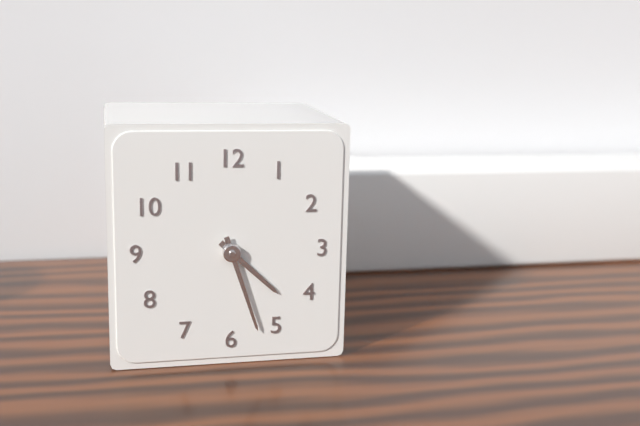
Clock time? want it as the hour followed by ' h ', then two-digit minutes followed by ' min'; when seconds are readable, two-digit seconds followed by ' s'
4 h 27 min
